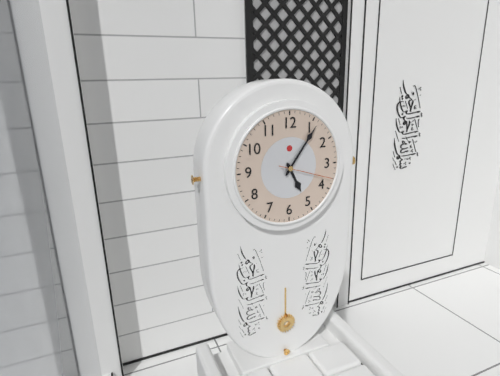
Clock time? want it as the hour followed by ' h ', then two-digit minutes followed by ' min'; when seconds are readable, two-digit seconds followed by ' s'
5 h 06 min 18 s
